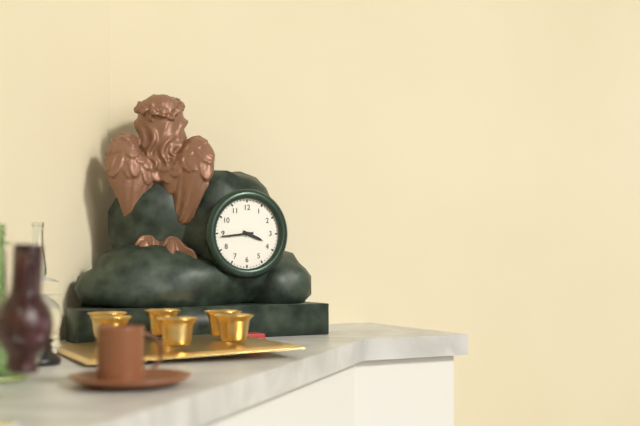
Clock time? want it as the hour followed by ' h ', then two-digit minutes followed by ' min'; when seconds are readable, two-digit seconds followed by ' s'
3 h 44 min
